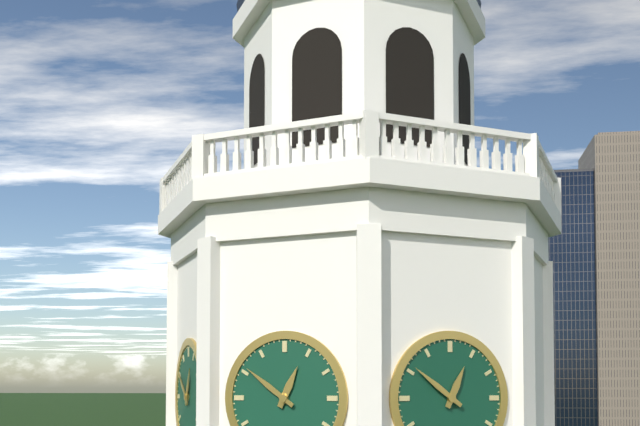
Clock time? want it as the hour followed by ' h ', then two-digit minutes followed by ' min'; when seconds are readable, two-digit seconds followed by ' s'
12 h 51 min
